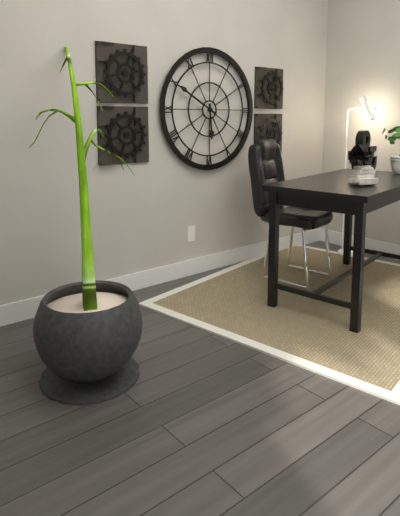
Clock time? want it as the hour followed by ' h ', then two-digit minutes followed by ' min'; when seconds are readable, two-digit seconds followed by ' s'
5 h 50 min
